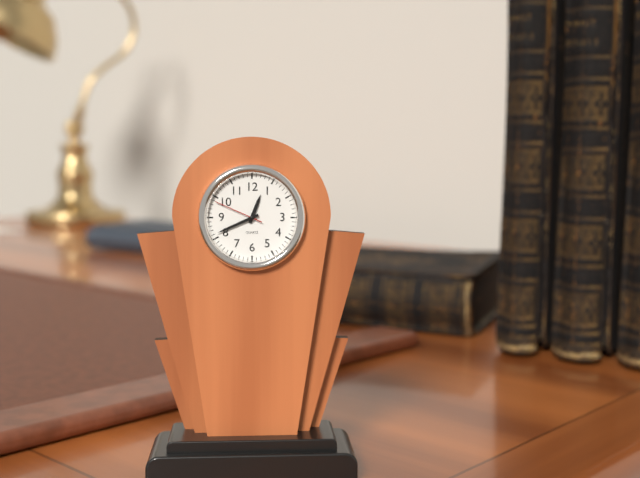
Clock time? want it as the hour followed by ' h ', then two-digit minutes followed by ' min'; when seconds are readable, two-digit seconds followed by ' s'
12 h 41 min 49 s
